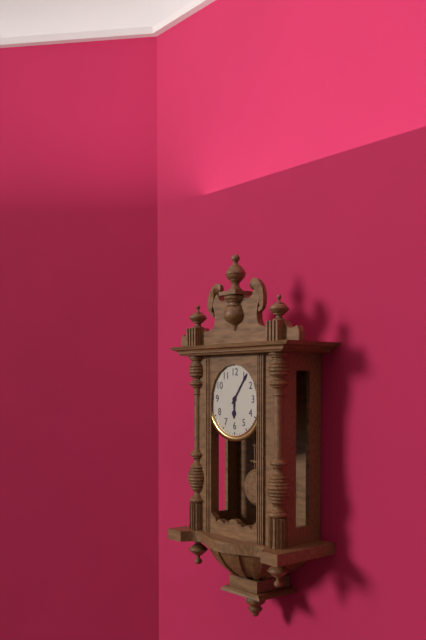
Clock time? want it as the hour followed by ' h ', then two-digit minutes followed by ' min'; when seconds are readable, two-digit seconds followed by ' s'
6 h 06 min
